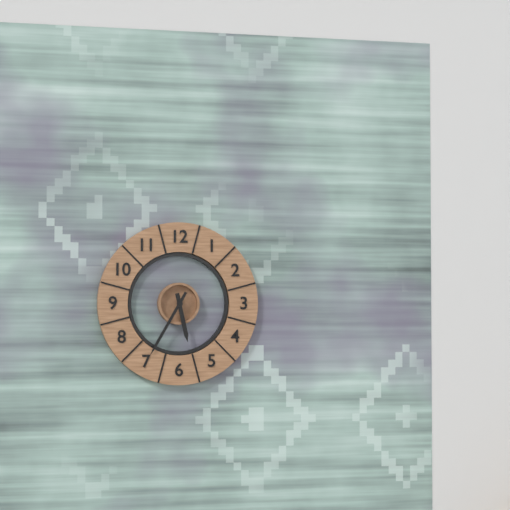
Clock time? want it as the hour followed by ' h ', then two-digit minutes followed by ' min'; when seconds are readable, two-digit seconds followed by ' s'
5 h 35 min
